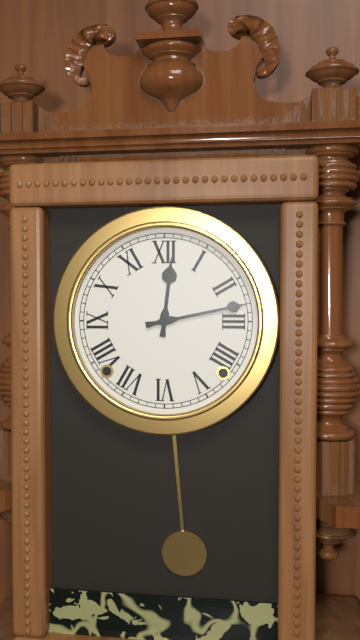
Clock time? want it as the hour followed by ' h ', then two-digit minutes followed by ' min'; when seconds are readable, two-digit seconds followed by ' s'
12 h 13 min
